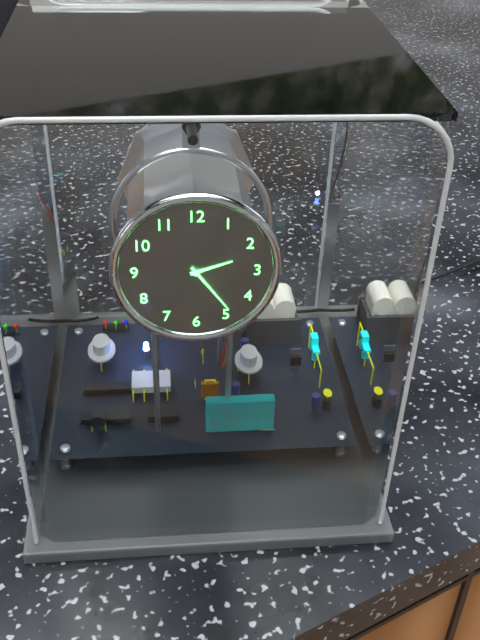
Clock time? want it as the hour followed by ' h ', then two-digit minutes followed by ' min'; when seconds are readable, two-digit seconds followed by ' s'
2 h 24 min
